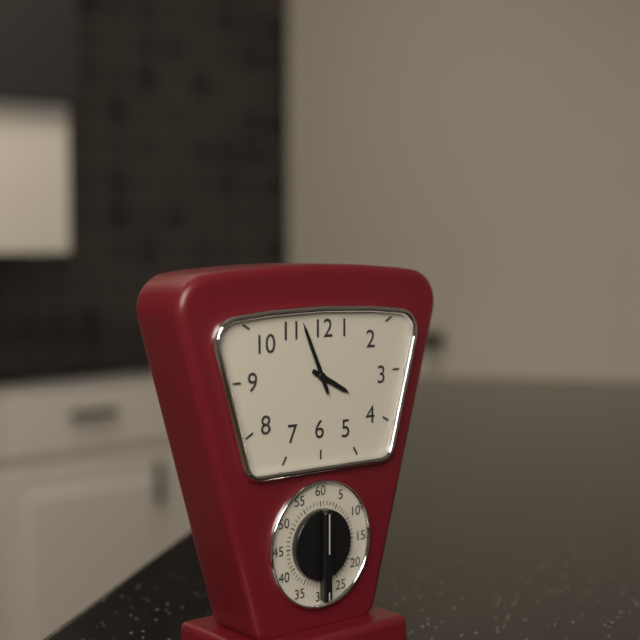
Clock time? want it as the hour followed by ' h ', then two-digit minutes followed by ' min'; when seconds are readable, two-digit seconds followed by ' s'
3 h 56 min
